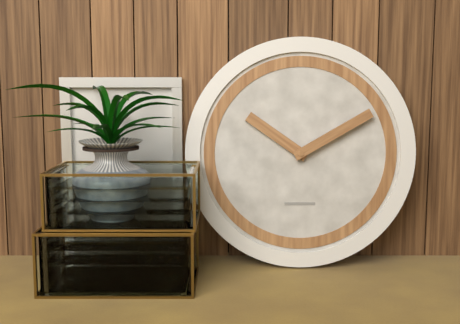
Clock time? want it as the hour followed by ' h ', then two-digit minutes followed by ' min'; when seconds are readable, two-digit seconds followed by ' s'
10 h 10 min
